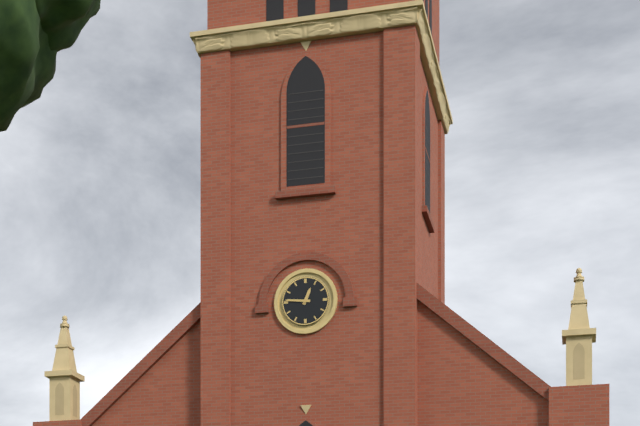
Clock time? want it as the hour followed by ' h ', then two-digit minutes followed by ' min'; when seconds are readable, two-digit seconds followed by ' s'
12 h 46 min
